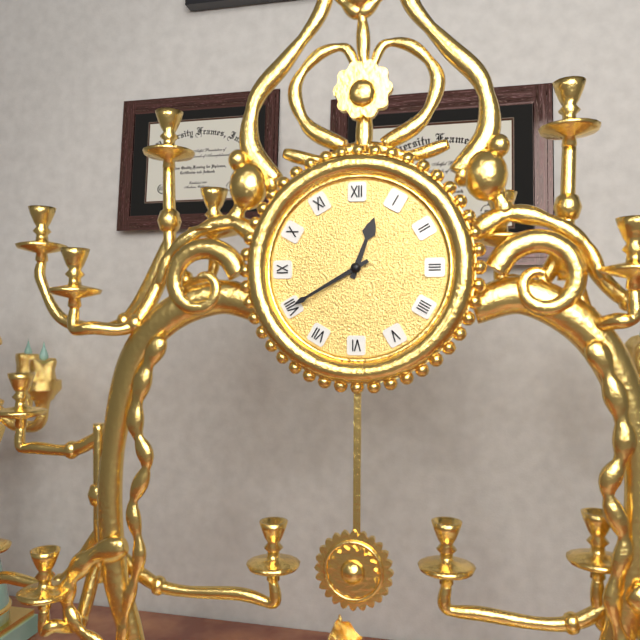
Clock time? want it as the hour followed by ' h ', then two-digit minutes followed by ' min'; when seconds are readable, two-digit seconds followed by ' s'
12 h 40 min
